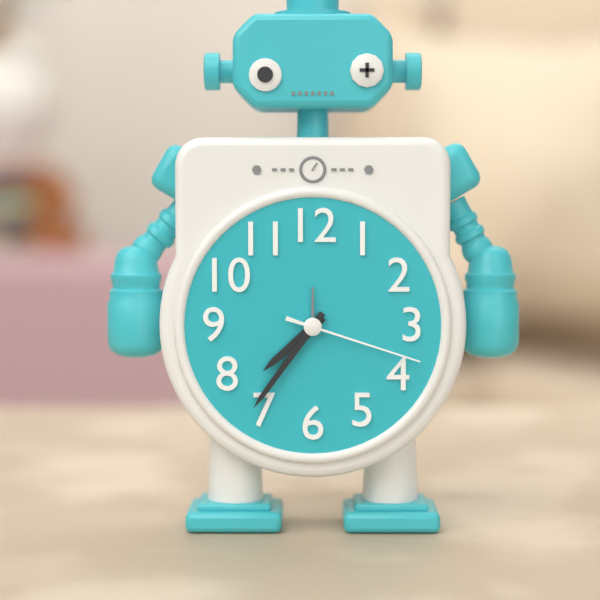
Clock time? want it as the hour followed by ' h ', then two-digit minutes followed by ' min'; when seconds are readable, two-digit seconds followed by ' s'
7 h 36 min 18 s
